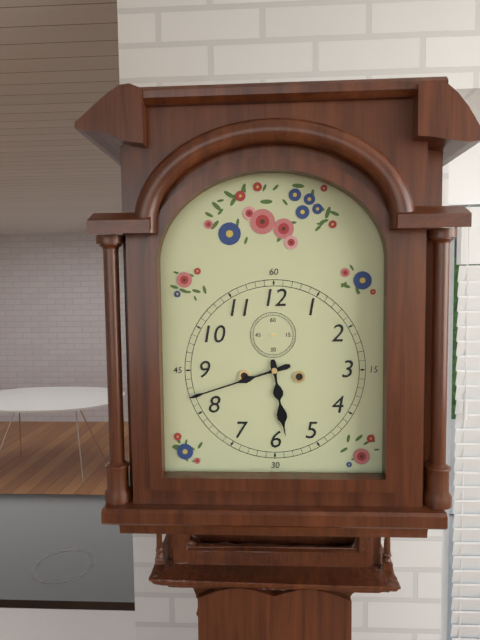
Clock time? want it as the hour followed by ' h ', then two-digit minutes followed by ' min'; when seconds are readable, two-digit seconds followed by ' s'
5 h 42 min
